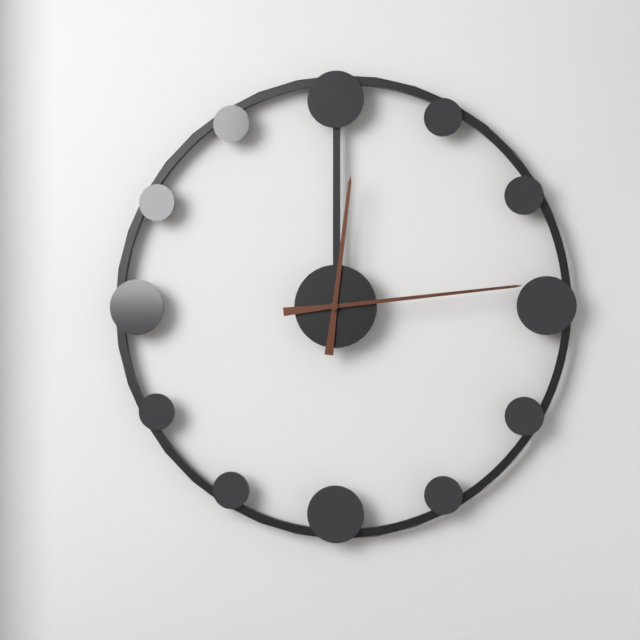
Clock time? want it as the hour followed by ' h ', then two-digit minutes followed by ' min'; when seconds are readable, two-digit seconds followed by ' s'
12 h 14 min
